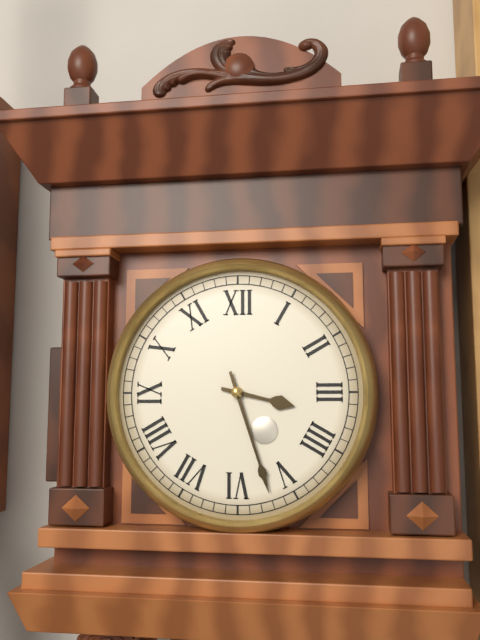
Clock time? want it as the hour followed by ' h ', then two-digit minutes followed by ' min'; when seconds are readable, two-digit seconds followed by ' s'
3 h 27 min
